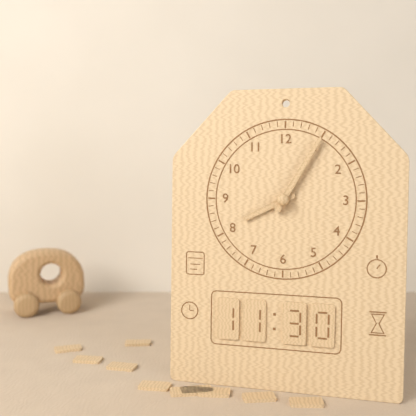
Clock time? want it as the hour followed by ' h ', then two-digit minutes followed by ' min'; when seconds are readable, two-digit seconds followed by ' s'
8 h 05 min
